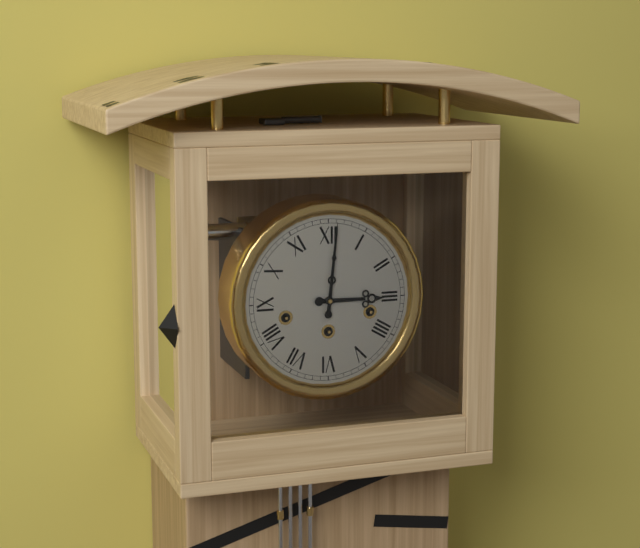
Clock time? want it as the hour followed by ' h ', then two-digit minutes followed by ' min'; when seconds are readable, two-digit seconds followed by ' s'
3 h 01 min
